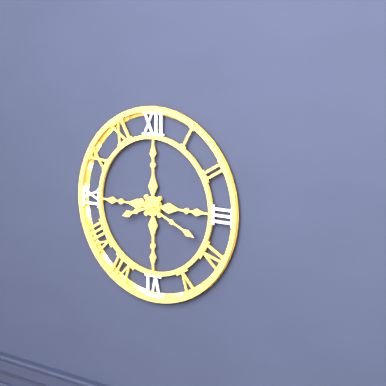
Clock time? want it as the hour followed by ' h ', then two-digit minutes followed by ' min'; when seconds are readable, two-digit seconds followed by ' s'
8 h 19 min
